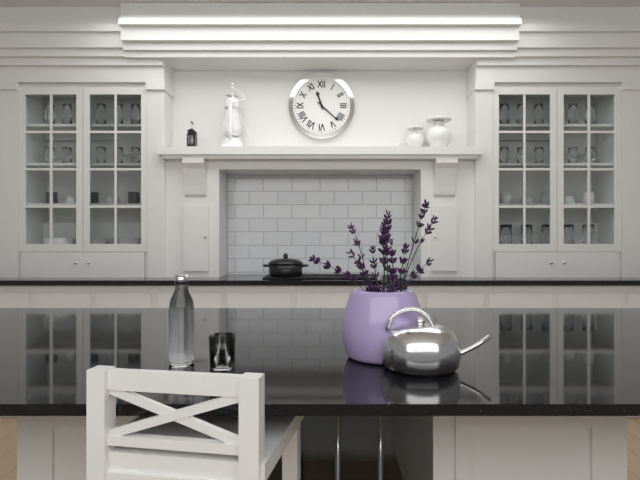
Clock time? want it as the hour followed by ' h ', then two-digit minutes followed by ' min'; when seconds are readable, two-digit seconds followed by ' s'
11 h 22 min
